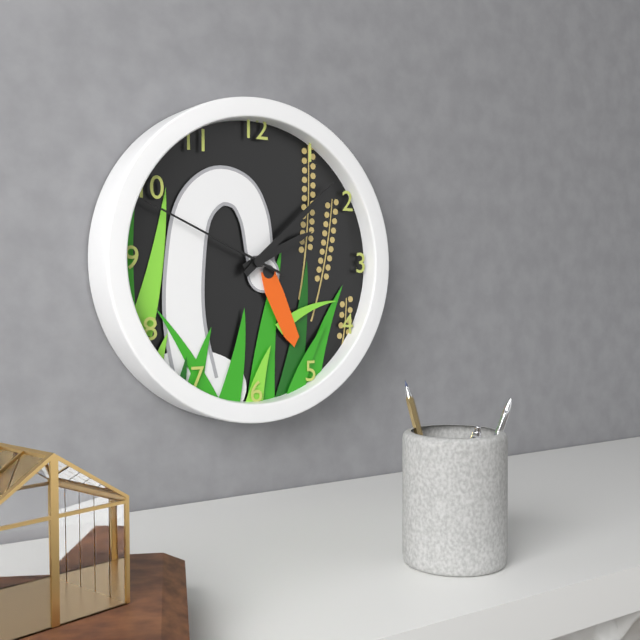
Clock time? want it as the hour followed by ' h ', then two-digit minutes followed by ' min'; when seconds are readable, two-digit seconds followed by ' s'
2 h 08 min 49 s
